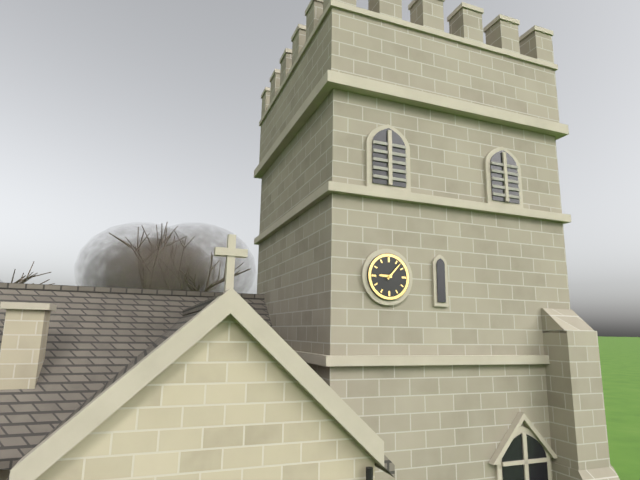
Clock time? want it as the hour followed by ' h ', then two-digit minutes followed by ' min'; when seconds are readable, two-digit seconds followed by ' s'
9 h 07 min
